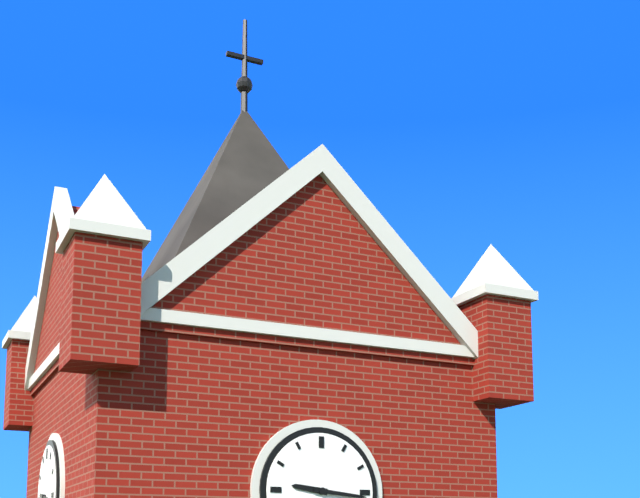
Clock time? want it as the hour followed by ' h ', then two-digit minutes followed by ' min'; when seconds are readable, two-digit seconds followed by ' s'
9 h 16 min
